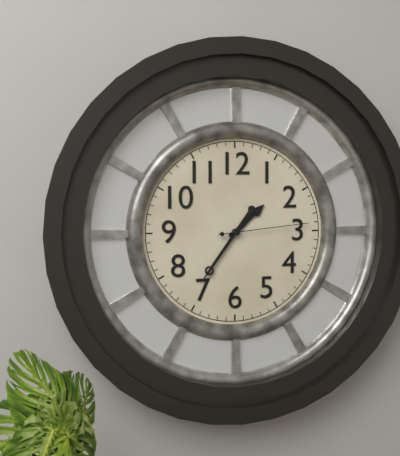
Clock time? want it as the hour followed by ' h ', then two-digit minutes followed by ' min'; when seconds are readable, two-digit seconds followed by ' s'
1 h 36 min 14 s
